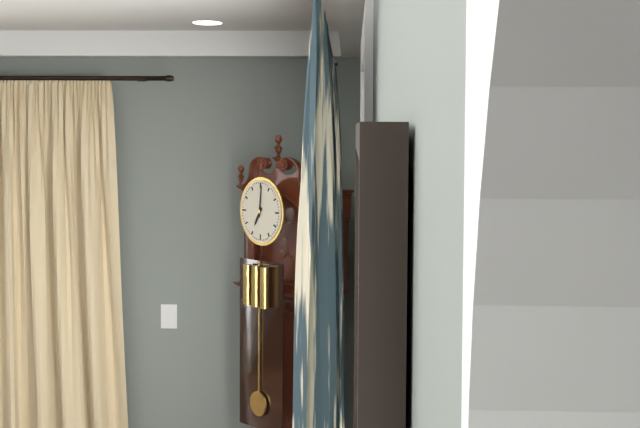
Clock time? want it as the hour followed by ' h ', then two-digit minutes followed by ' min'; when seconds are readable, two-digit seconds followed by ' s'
7 h 01 min
